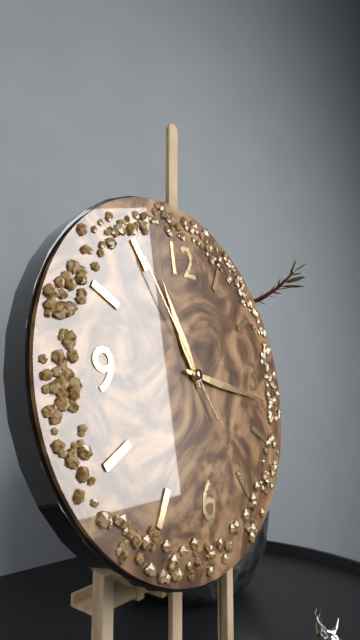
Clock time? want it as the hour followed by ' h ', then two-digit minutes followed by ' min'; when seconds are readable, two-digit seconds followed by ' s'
11 h 17 min 55 s
